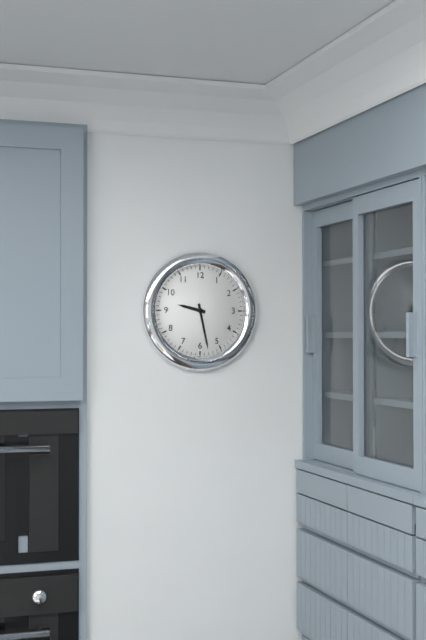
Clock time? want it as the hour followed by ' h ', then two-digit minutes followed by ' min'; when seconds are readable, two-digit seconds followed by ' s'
9 h 28 min
